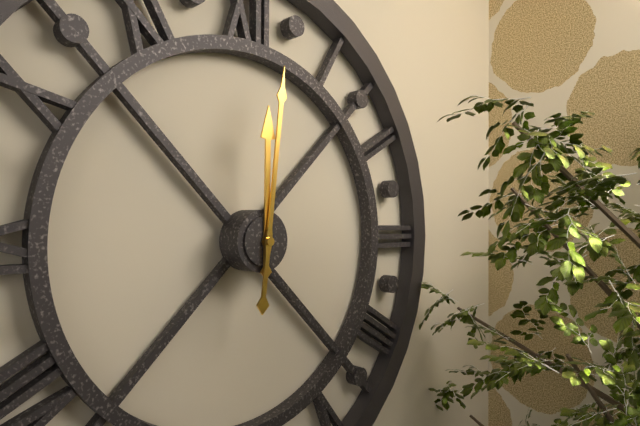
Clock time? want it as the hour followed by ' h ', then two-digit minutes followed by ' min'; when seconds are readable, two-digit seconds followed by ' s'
12 h 01 min
